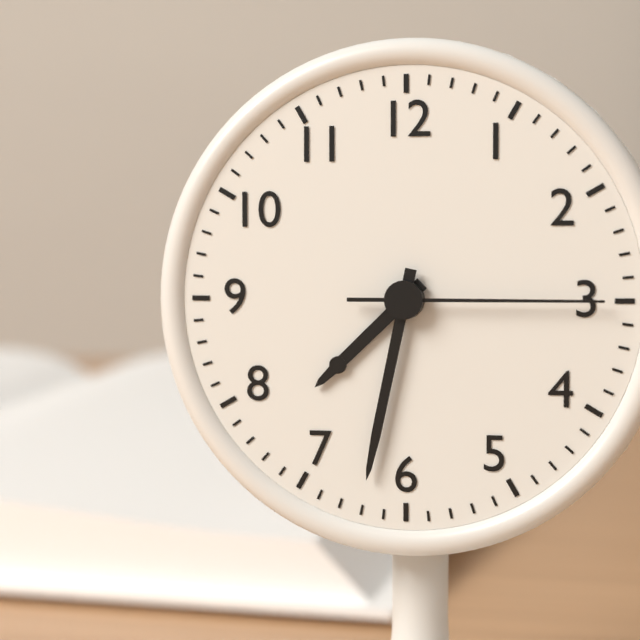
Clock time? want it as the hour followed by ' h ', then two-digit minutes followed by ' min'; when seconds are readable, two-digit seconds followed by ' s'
7 h 32 min 15 s
